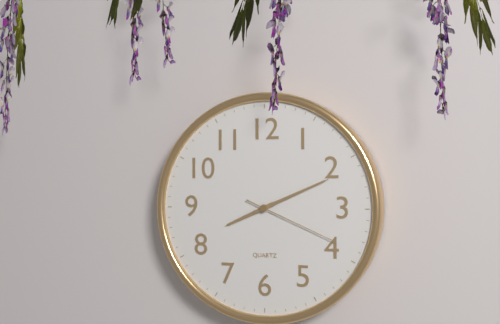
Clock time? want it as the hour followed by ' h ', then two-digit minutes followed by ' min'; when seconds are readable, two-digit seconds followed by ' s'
8 h 11 min 19 s
